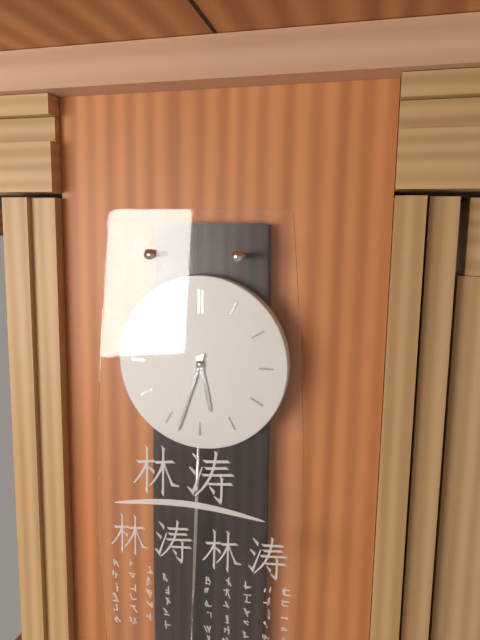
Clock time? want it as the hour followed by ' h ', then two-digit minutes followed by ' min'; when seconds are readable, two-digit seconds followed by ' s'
5 h 33 min
